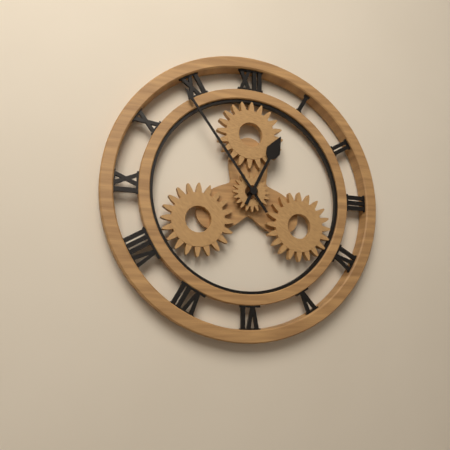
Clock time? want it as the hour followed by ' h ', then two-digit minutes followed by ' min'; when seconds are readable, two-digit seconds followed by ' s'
12 h 54 min
